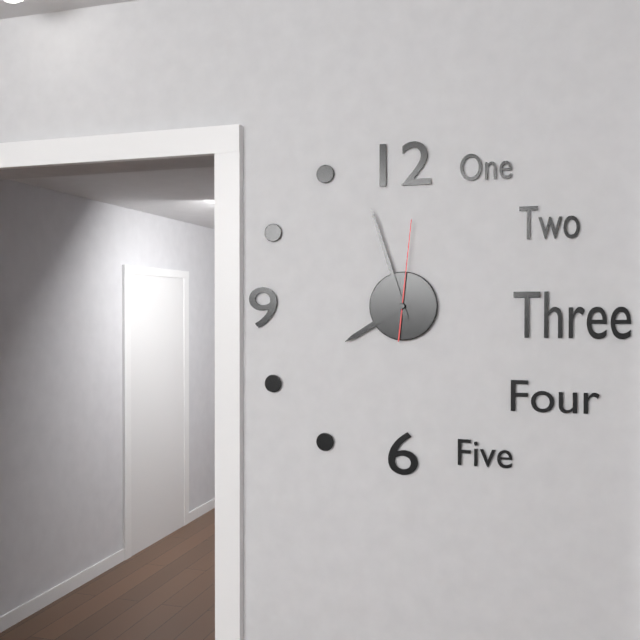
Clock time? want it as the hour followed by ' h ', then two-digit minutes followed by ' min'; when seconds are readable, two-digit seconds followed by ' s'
7 h 57 min 01 s
